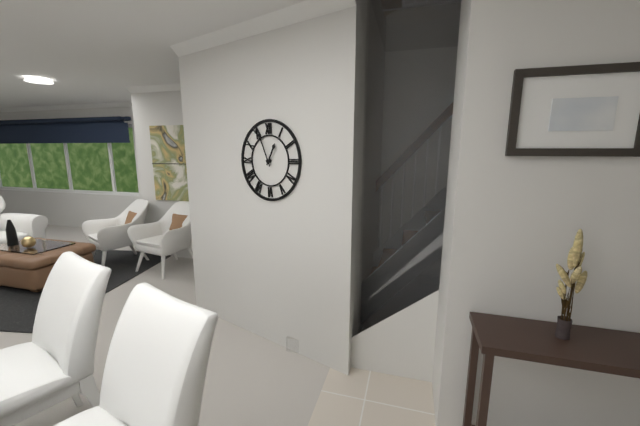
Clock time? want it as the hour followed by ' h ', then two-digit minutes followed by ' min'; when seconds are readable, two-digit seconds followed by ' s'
12 h 56 min
